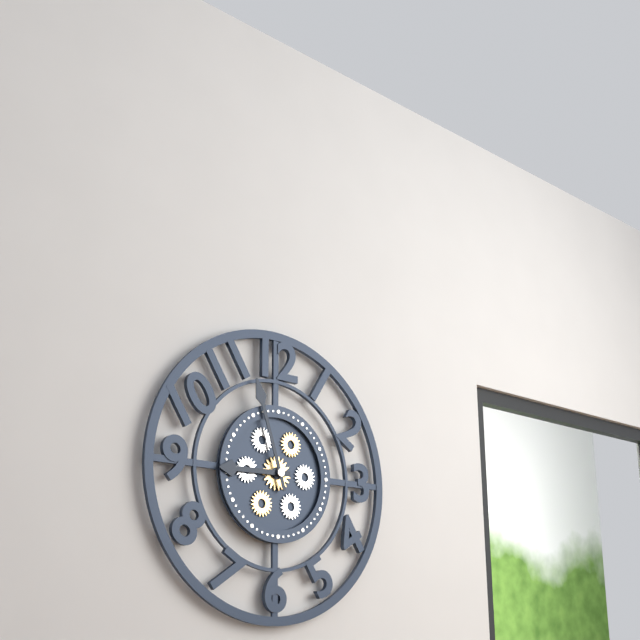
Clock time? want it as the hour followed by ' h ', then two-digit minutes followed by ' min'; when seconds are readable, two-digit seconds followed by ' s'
8 h 57 min
